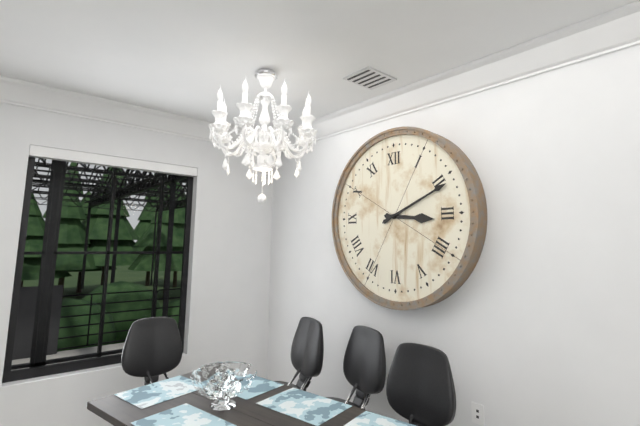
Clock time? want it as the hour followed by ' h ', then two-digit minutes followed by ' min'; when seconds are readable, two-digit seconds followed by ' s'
3 h 11 min
